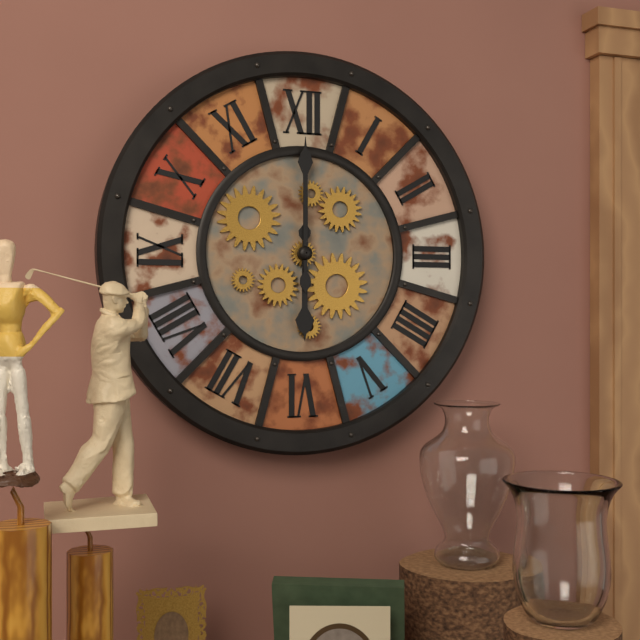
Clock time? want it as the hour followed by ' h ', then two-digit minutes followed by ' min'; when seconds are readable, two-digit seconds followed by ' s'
6 h 00 min
